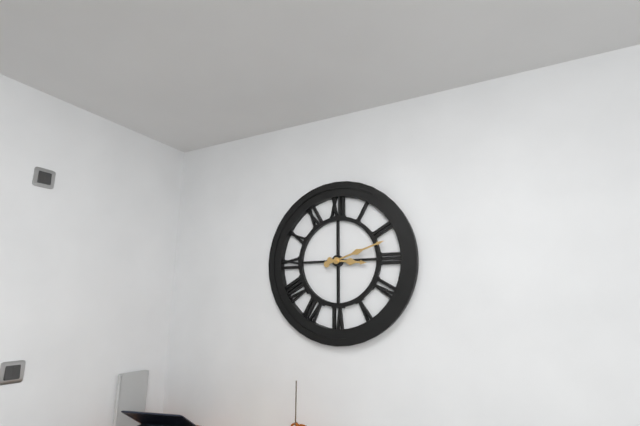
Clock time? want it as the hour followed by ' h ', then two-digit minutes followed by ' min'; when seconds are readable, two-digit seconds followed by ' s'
3 h 12 min
